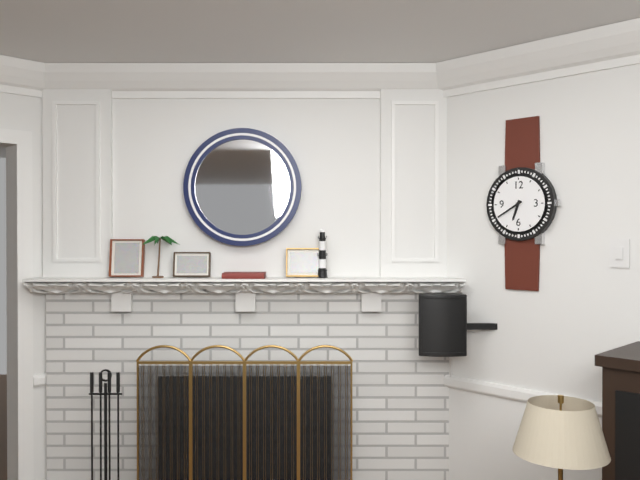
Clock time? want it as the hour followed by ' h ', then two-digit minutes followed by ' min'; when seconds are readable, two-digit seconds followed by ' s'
6 h 40 min
